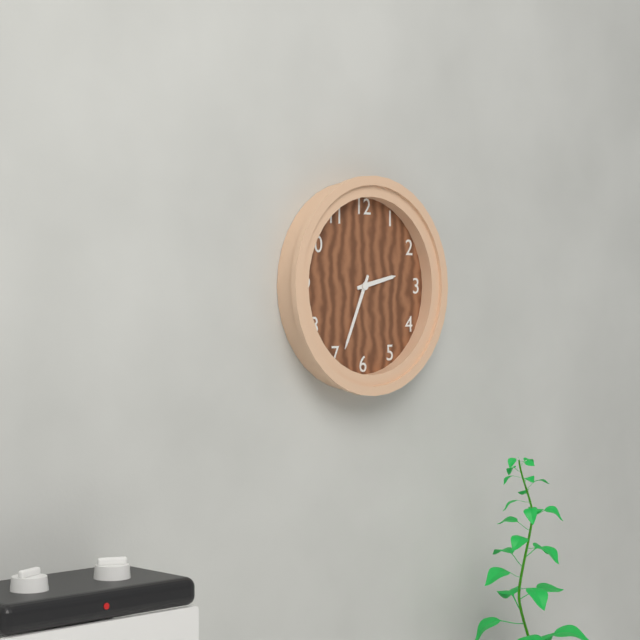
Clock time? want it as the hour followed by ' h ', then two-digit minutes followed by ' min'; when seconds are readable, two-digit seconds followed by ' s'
2 h 34 min
